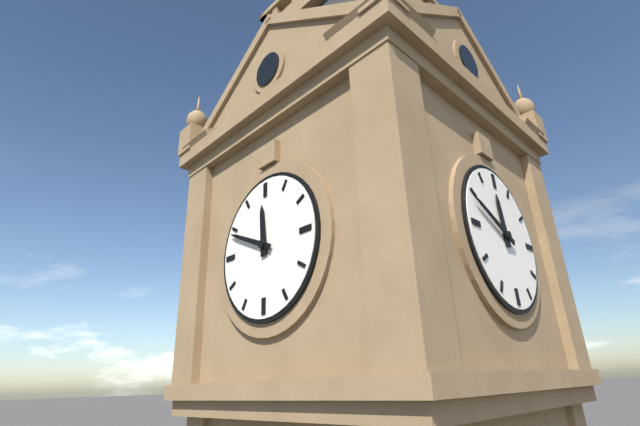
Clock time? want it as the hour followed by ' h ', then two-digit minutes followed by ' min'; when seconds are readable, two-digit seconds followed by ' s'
11 h 49 min
